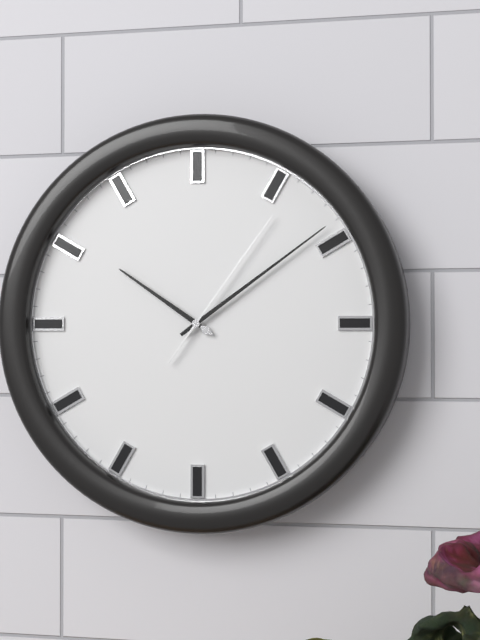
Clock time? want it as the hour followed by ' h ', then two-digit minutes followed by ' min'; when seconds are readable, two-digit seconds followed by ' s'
10 h 09 min 06 s
